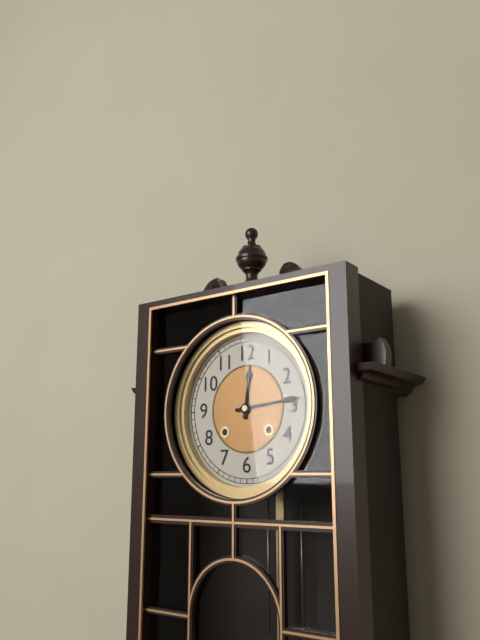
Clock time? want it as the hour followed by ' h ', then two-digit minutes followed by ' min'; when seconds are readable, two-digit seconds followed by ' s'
12 h 14 min
